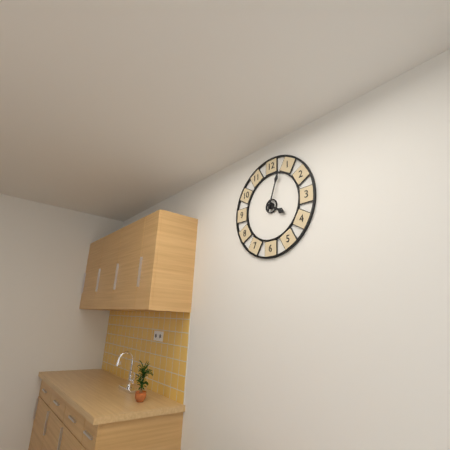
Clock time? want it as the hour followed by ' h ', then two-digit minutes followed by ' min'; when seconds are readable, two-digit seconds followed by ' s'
4 h 03 min
